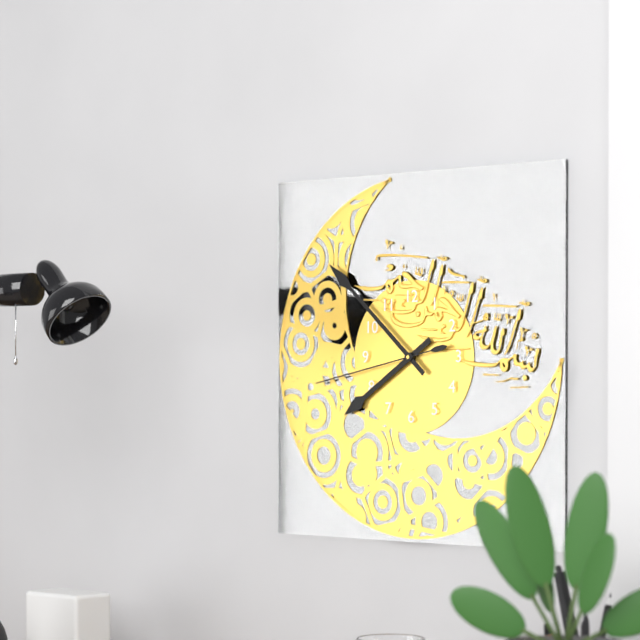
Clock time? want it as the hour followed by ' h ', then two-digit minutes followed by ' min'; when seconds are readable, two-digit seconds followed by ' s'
7 h 52 min 43 s
